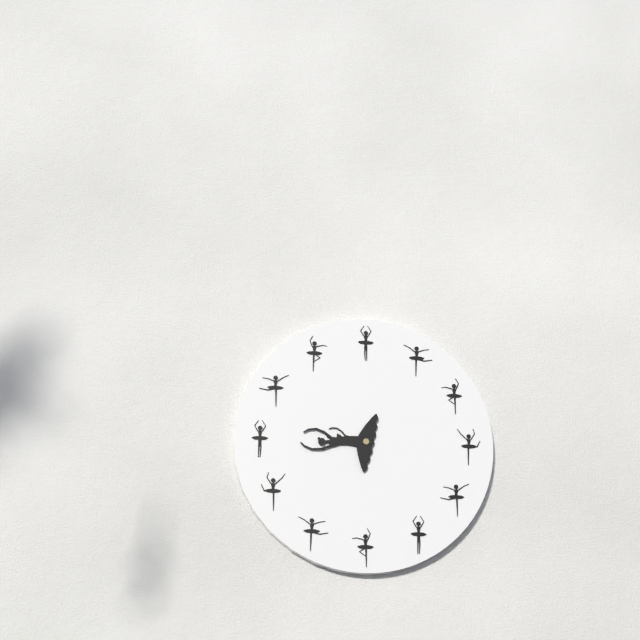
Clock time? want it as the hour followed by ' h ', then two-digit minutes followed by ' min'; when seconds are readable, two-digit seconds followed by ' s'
9 h 47 min
